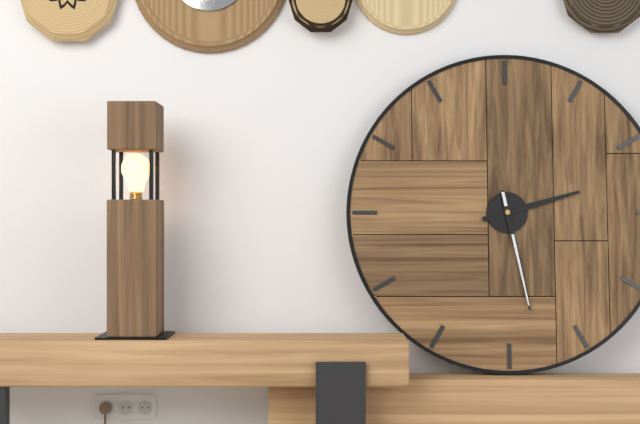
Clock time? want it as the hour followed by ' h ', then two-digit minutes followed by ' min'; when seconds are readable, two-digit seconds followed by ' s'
2 h 28 min
